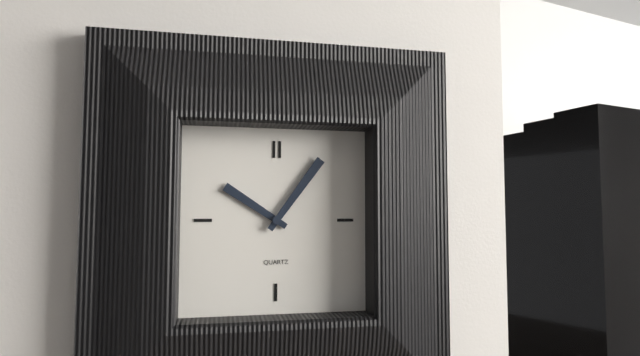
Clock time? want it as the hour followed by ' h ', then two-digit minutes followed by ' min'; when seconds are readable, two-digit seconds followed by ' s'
10 h 06 min
